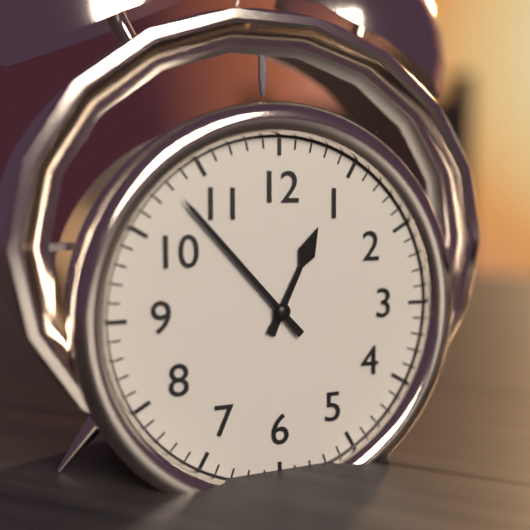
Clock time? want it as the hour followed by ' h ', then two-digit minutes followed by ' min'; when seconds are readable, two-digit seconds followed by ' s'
12 h 53 min
